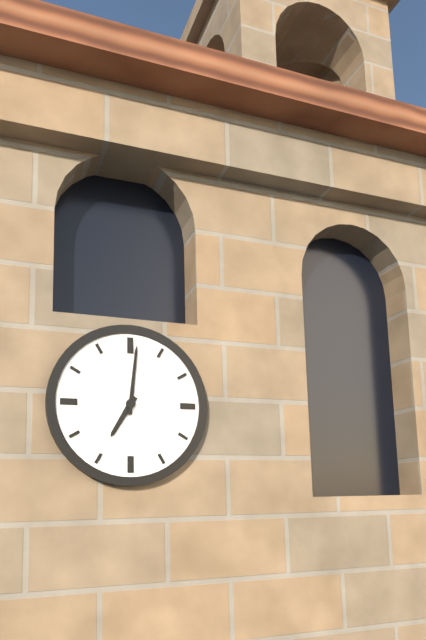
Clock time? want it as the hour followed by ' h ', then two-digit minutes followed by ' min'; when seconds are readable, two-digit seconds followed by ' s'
7 h 01 min
